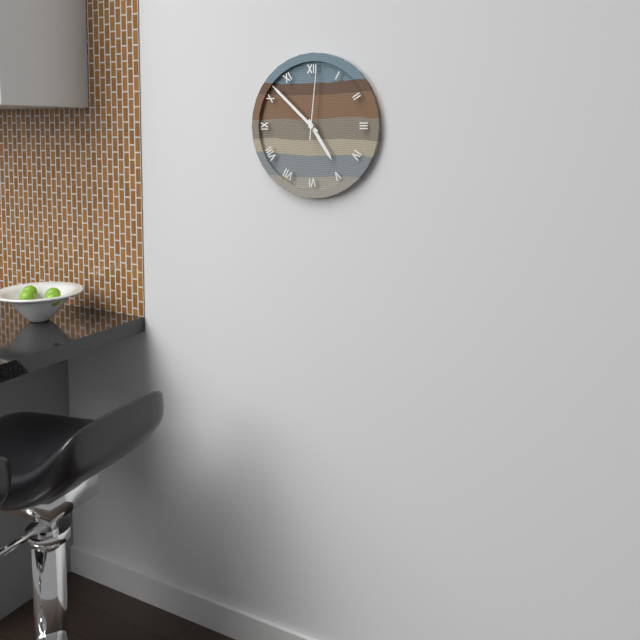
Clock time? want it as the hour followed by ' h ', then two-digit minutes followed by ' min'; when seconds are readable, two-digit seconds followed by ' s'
4 h 52 min 01 s
